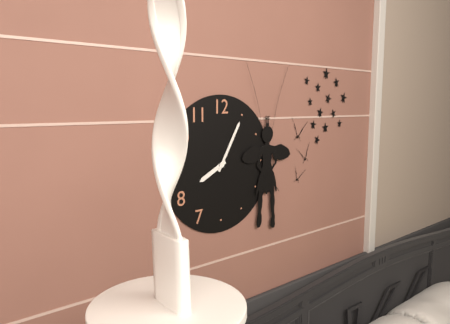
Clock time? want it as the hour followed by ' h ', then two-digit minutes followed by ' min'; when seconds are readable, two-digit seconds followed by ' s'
8 h 05 min
